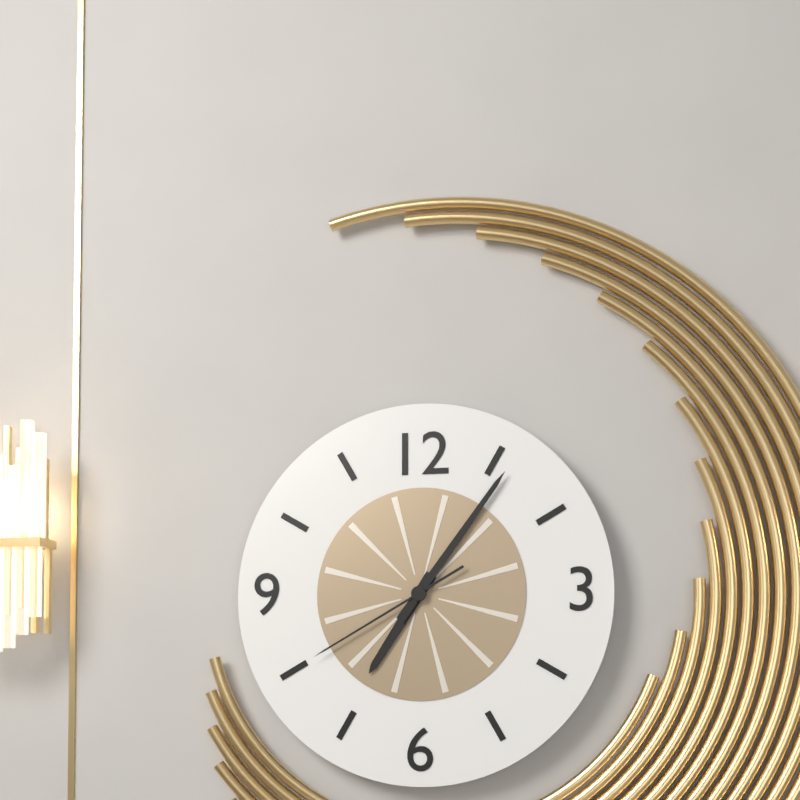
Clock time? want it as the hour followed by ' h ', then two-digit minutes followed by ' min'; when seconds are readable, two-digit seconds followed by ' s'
7 h 06 min 40 s
